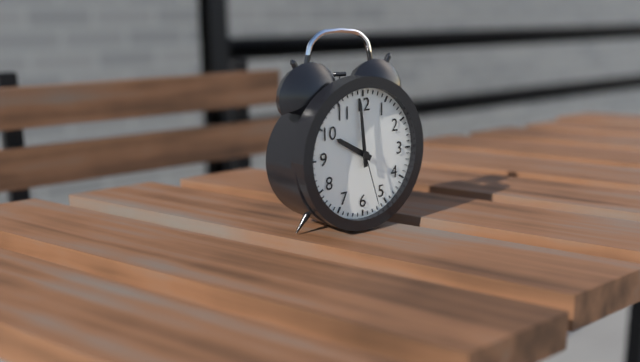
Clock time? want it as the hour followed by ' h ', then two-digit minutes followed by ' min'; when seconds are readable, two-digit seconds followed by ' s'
9 h 59 min 27 s
